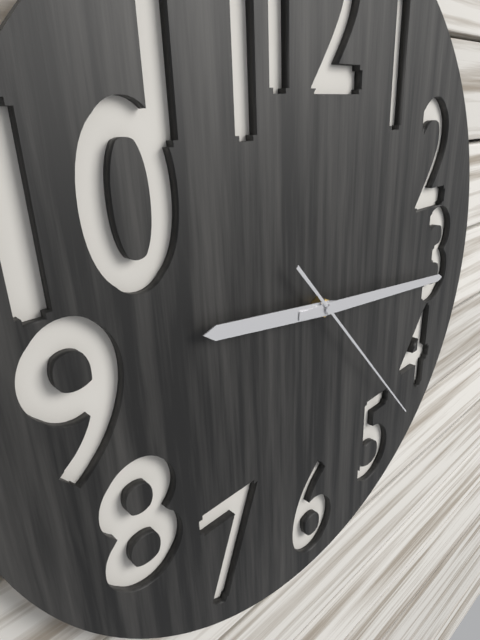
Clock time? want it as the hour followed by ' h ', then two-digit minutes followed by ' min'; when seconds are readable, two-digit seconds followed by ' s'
9 h 16 min 23 s
